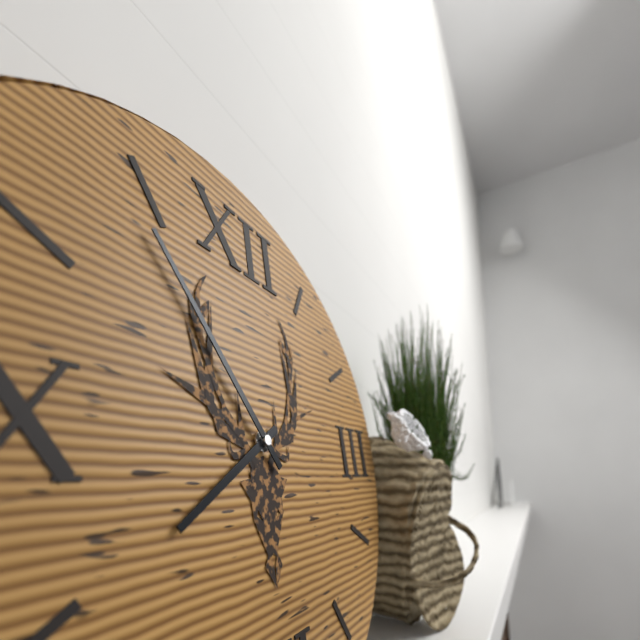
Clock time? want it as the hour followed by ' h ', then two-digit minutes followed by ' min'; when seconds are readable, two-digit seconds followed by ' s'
7 h 54 min
